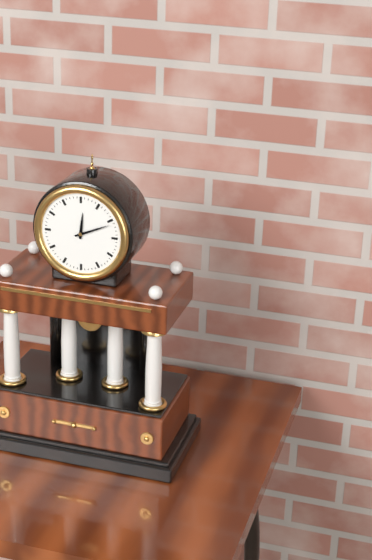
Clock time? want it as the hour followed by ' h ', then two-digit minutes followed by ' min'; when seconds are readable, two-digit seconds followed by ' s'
12 h 11 min
